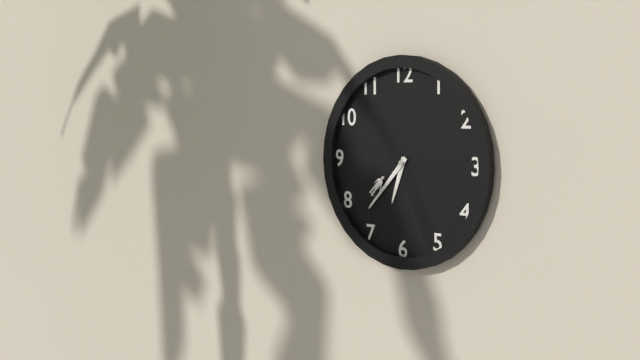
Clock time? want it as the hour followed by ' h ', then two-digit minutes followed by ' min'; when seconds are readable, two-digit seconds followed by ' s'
6 h 37 min
